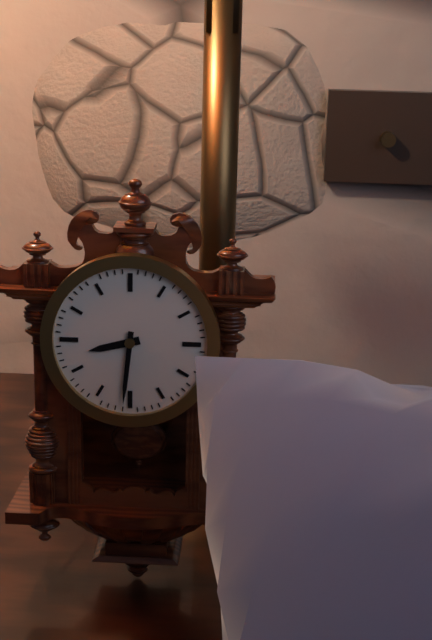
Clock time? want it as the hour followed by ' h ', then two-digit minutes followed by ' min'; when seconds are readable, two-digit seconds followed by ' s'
8 h 31 min
